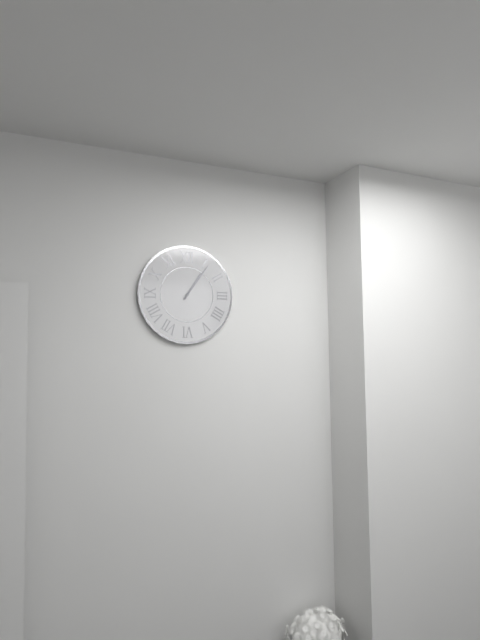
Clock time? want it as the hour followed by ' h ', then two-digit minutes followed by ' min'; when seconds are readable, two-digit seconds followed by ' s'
1 h 06 min
